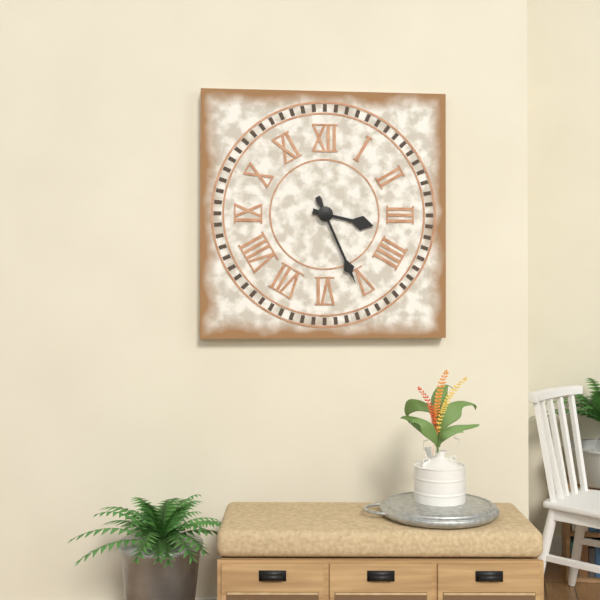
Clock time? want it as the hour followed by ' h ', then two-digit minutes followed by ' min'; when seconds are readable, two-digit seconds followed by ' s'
3 h 26 min
